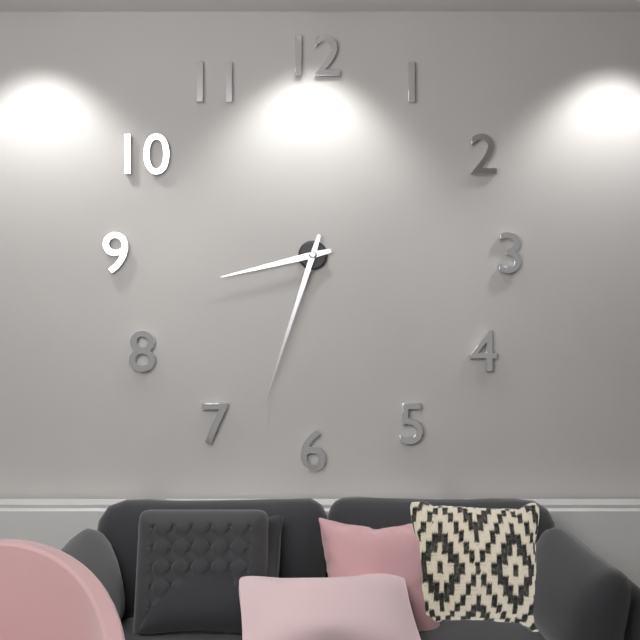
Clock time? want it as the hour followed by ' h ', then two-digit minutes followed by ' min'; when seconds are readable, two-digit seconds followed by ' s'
8 h 33 min
